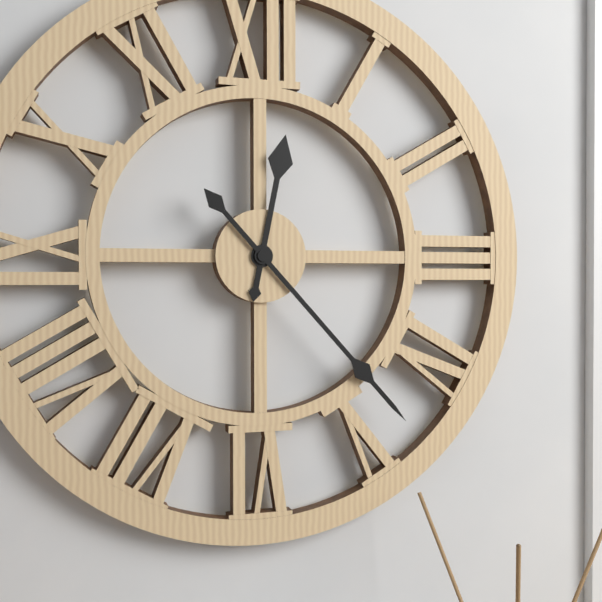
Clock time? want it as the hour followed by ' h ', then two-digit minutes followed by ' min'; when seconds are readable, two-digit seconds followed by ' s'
12 h 23 min
